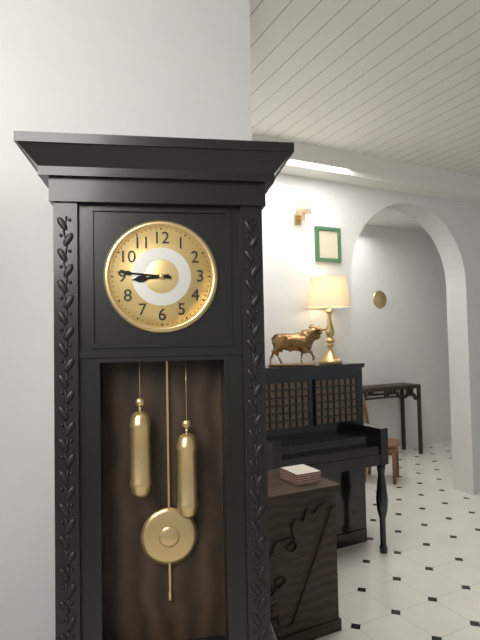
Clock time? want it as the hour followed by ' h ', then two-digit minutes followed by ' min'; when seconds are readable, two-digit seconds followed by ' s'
8 h 46 min
